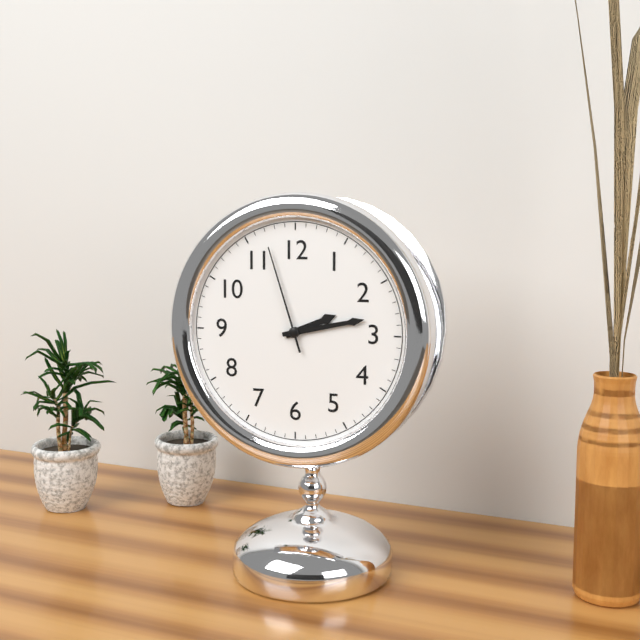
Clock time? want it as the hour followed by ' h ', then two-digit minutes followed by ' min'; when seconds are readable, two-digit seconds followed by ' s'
2 h 13 min 57 s
